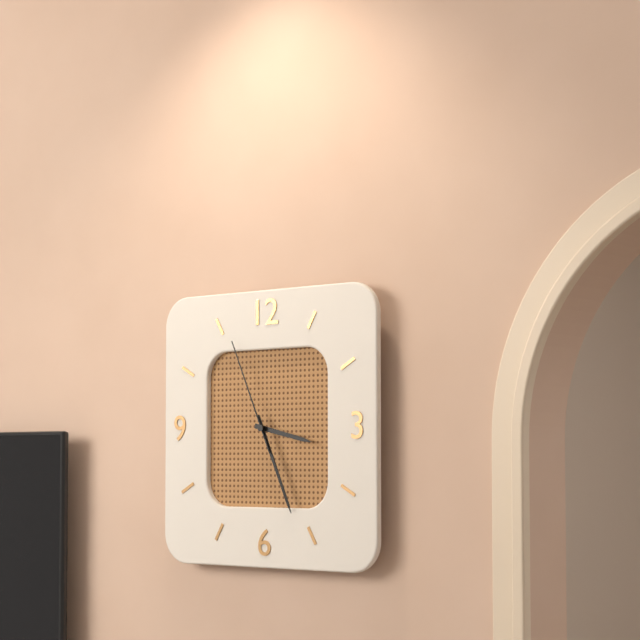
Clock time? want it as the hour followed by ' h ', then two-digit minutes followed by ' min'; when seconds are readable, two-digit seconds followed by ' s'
3 h 26 min 56 s
